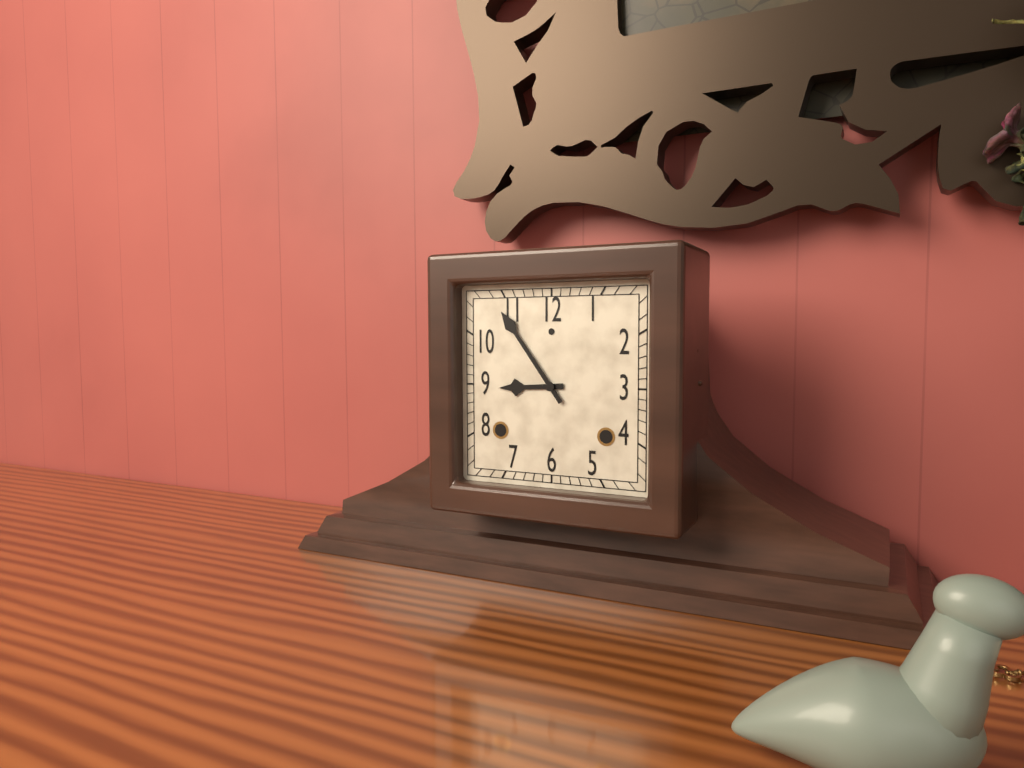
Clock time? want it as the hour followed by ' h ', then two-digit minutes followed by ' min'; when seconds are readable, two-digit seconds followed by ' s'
8 h 54 min
